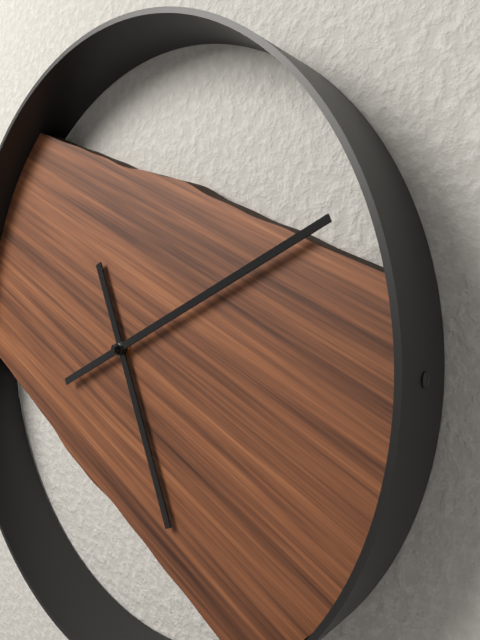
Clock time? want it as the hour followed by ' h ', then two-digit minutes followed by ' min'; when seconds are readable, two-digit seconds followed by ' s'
5 h 11 min
